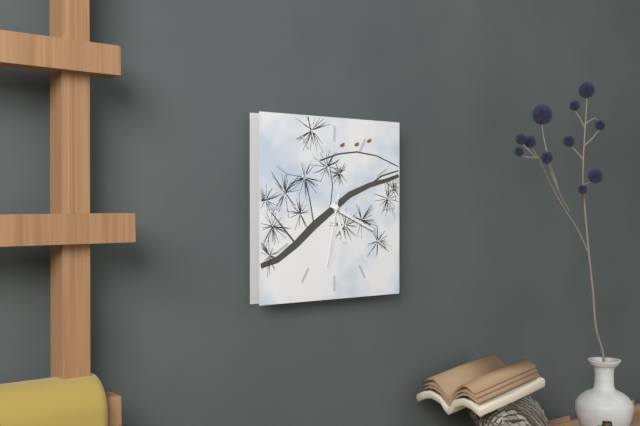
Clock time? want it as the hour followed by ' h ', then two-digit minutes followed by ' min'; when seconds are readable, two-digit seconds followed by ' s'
5 h 19 min 32 s
